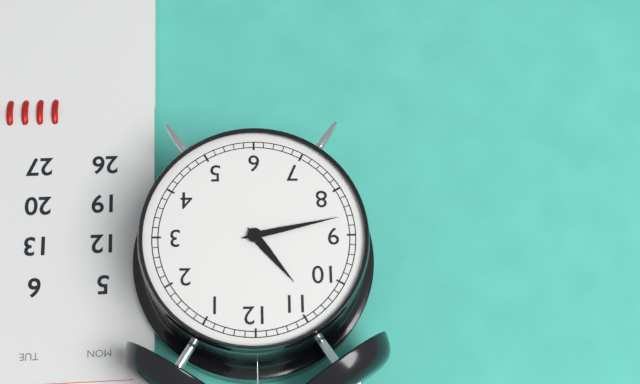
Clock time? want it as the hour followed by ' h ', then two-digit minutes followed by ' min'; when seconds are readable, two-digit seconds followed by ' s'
10 h 43 min
